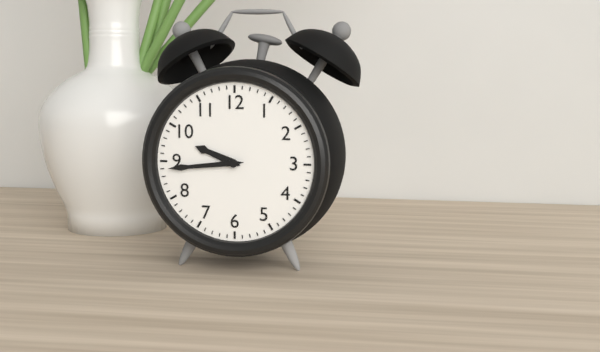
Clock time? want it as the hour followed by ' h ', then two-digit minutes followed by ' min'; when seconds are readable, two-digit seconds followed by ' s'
9 h 44 min
